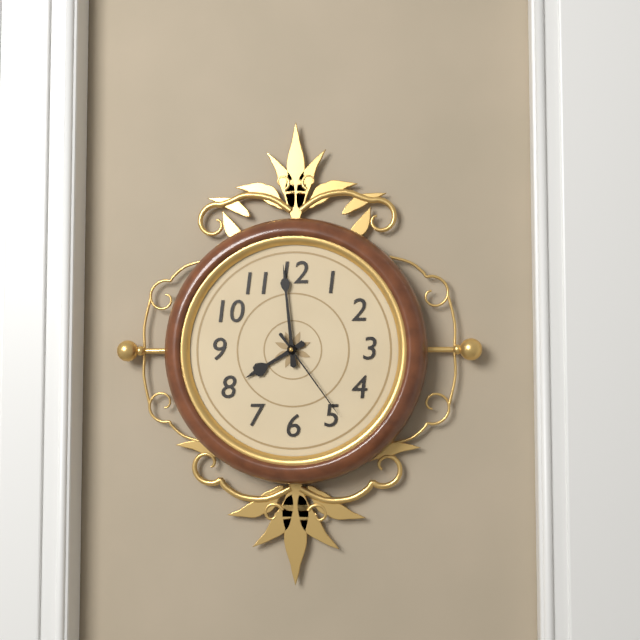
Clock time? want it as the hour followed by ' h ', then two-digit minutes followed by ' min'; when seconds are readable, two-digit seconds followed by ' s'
7 h 59 min 24 s
